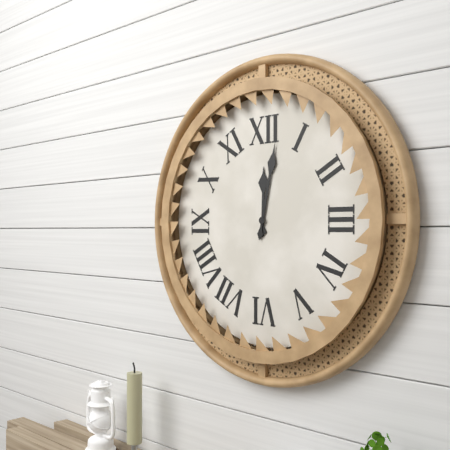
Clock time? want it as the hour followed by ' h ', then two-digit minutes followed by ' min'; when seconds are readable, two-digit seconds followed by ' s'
12 h 02 min
